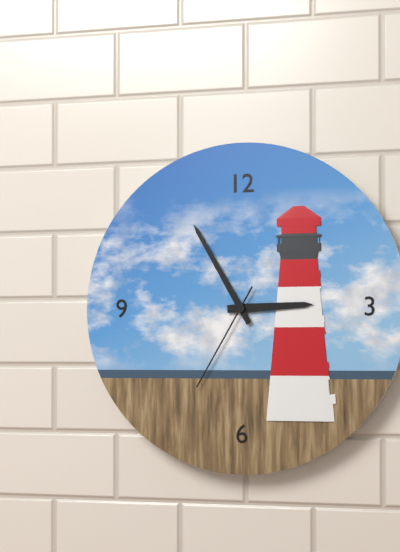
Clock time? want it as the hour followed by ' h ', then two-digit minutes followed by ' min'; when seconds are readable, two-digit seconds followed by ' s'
2 h 55 min 35 s
